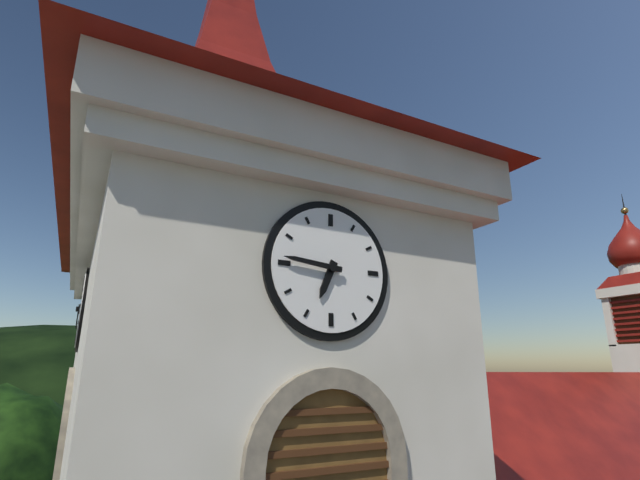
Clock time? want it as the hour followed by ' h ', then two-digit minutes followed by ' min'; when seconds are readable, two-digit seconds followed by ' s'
6 h 46 min
